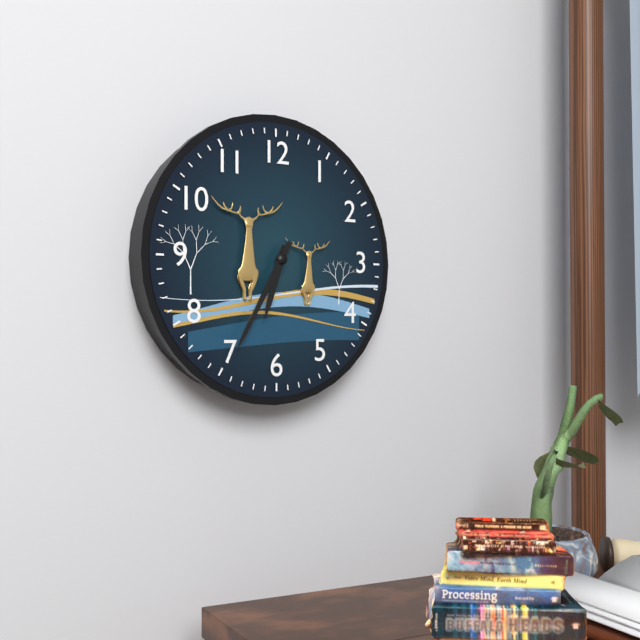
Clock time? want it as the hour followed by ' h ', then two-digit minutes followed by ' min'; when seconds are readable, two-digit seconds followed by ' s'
6 h 35 min
